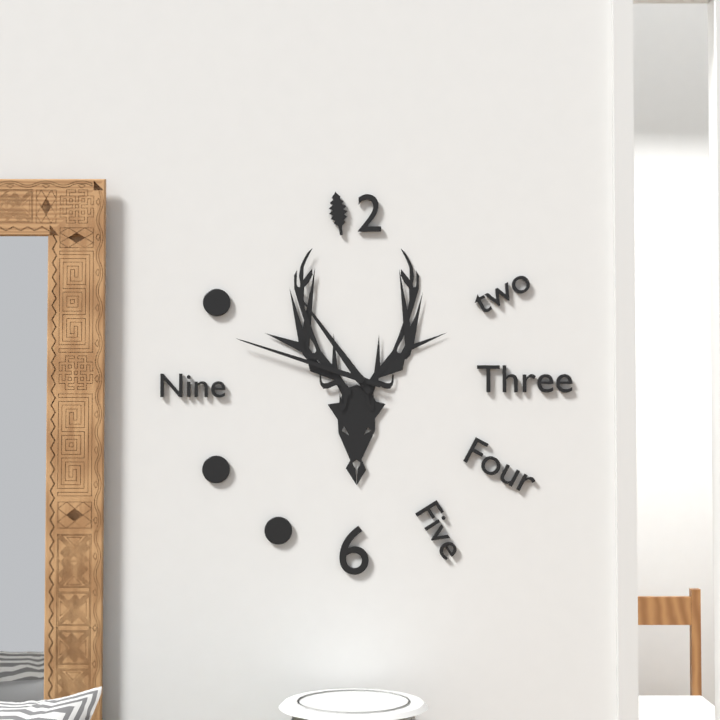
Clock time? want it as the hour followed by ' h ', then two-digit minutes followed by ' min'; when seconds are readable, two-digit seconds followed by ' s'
10 h 48 min
